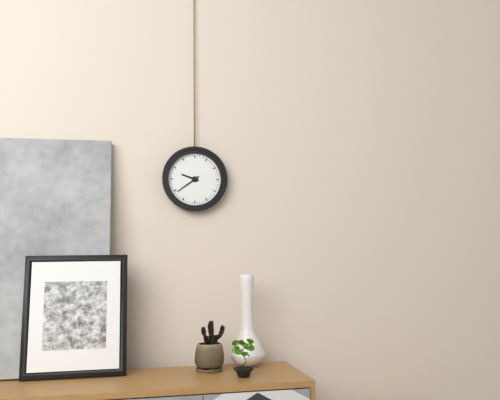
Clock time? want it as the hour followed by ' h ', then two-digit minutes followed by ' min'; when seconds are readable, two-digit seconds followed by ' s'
9 h 39 min
